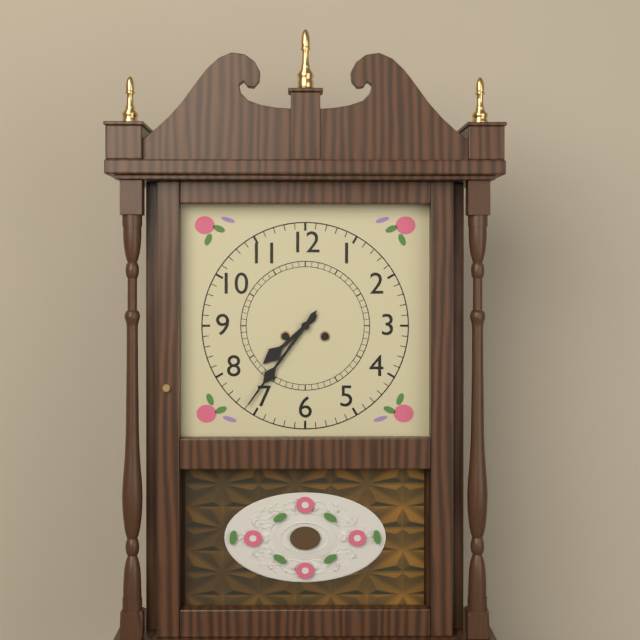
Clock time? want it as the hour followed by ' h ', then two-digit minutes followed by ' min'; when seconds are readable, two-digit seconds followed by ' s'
7 h 36 min
